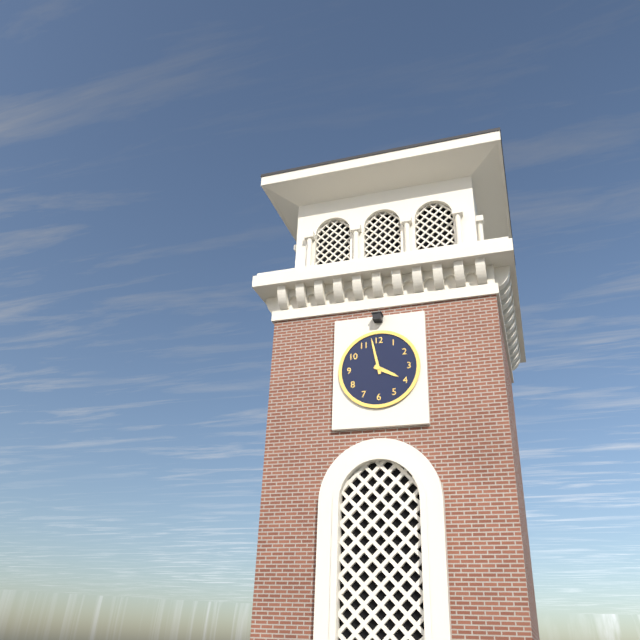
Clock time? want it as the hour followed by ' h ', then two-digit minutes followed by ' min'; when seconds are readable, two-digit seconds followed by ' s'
3 h 58 min
